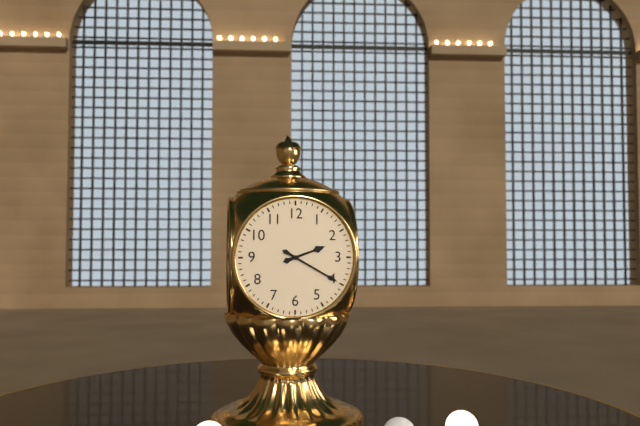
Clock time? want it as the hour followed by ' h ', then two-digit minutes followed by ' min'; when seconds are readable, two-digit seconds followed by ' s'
2 h 20 min
